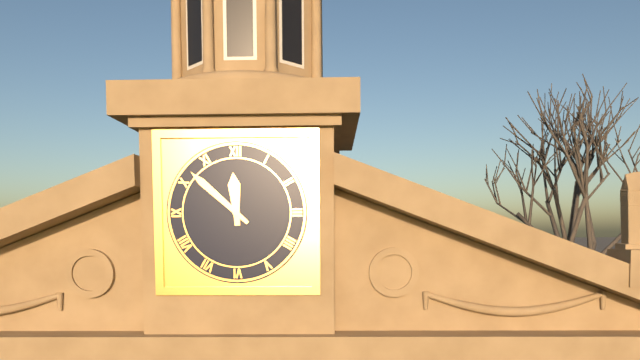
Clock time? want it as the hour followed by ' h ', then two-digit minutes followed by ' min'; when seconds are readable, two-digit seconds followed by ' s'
11 h 52 min
